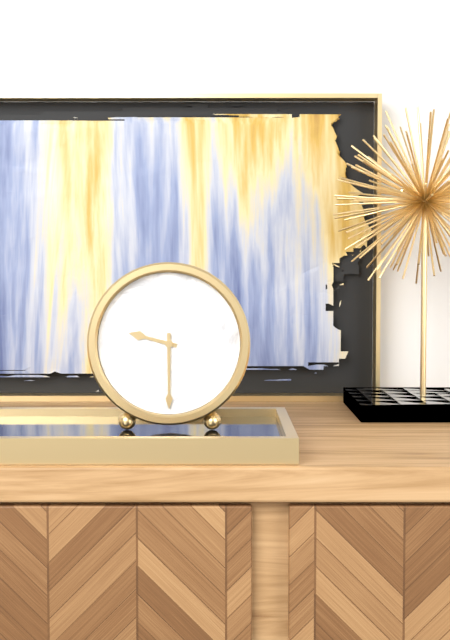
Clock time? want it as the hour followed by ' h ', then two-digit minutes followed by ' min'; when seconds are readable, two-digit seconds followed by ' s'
9 h 30 min
